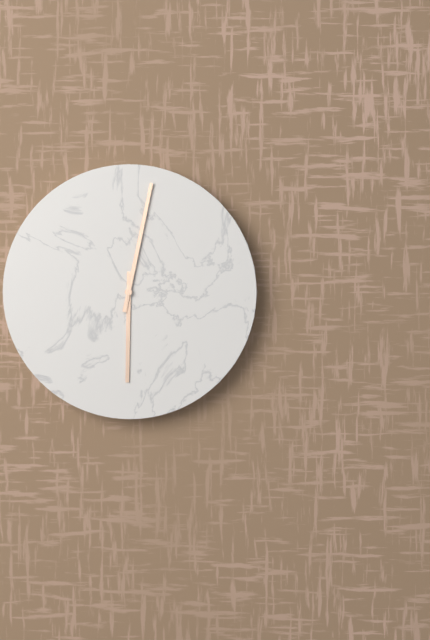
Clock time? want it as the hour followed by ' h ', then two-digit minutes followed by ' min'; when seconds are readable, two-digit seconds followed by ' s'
6 h 02 min
